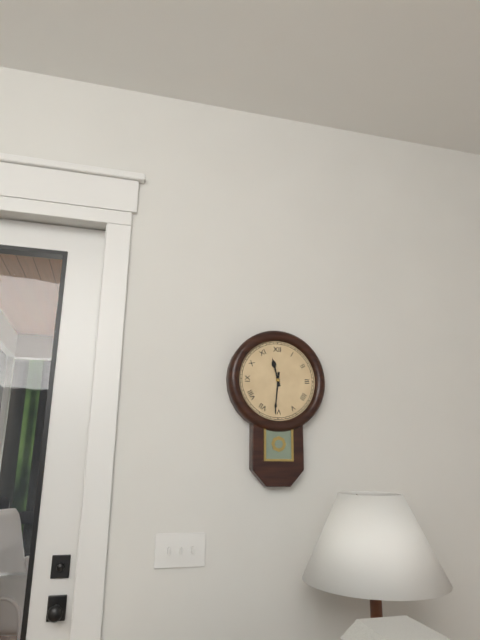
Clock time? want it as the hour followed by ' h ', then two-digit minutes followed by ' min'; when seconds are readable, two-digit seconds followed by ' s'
11 h 31 min
